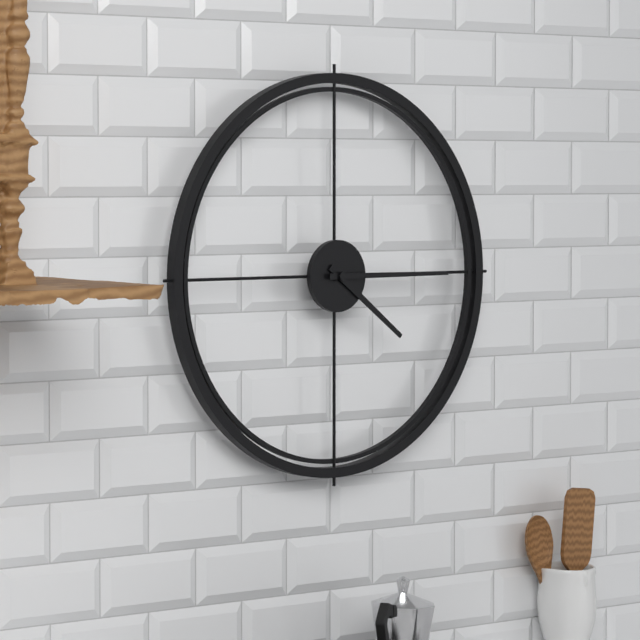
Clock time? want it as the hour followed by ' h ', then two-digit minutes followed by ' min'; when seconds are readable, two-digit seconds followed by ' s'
4 h 15 min
